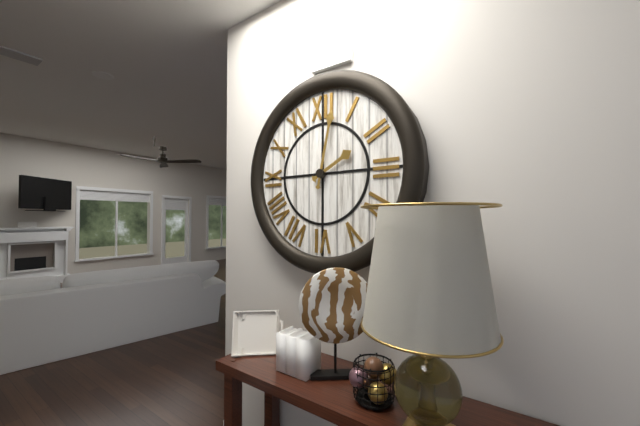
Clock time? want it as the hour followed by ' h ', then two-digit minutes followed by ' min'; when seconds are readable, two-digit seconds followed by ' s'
2 h 02 min
